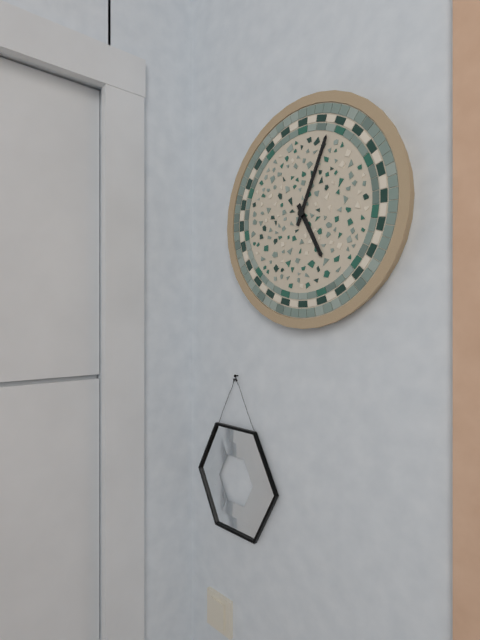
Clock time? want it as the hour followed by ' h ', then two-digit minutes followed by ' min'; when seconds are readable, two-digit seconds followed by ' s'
5 h 04 min
